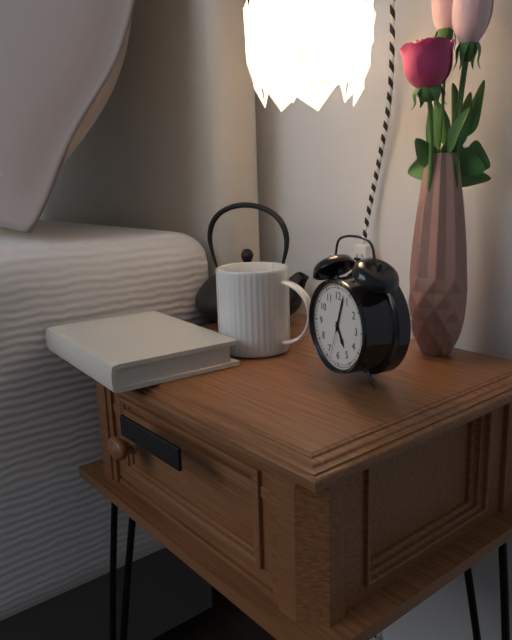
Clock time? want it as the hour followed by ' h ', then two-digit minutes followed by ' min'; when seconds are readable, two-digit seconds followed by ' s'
5 h 03 min
